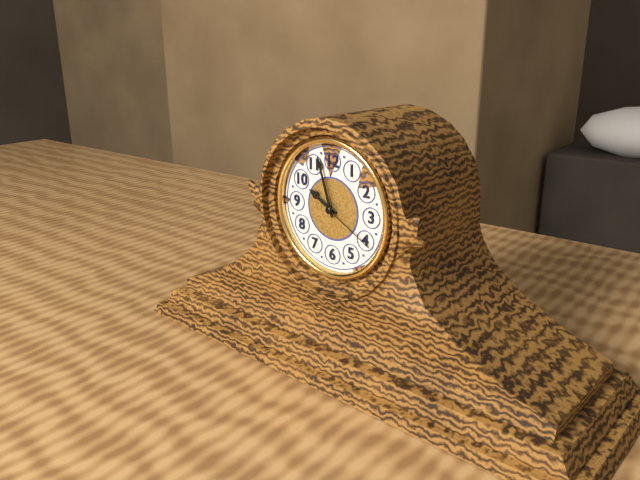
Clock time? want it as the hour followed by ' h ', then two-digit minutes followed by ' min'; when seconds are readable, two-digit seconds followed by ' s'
9 h 57 min 20 s
